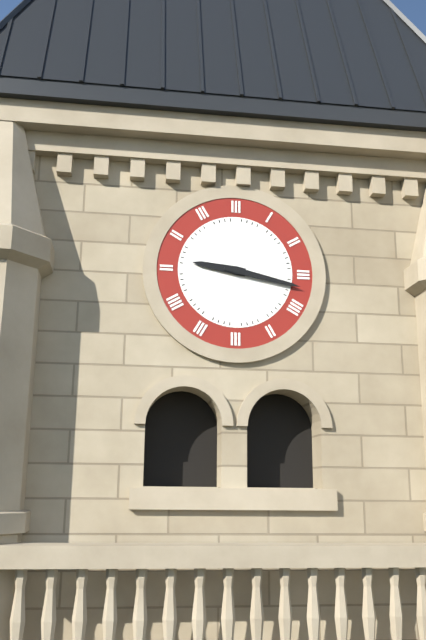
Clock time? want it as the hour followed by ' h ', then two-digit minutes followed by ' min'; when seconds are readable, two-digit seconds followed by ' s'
9 h 17 min
